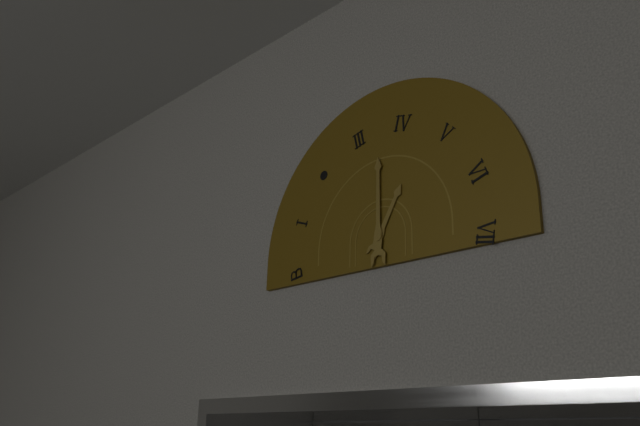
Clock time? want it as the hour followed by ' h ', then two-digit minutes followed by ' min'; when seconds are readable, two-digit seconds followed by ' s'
1 h 00 min
